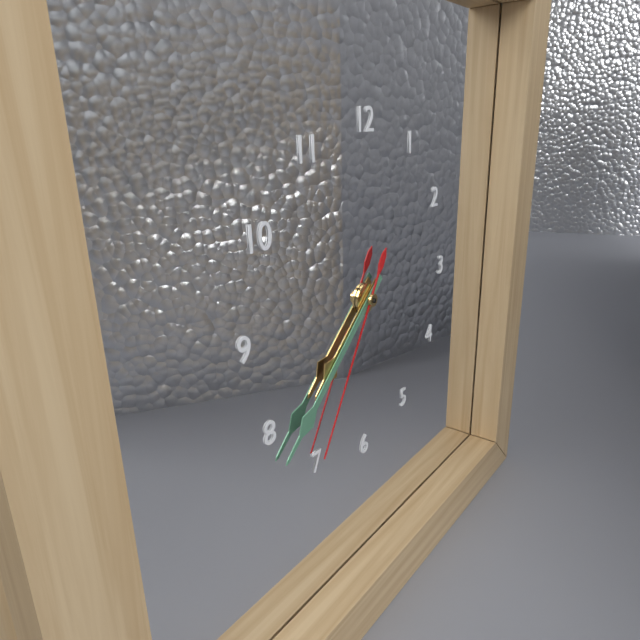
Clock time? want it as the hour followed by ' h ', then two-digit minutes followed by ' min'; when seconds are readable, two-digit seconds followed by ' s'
7 h 38 min 35 s
